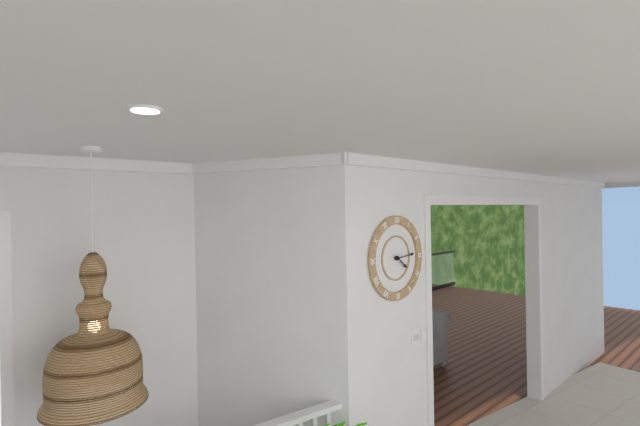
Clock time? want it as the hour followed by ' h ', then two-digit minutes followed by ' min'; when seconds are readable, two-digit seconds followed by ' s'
4 h 14 min
